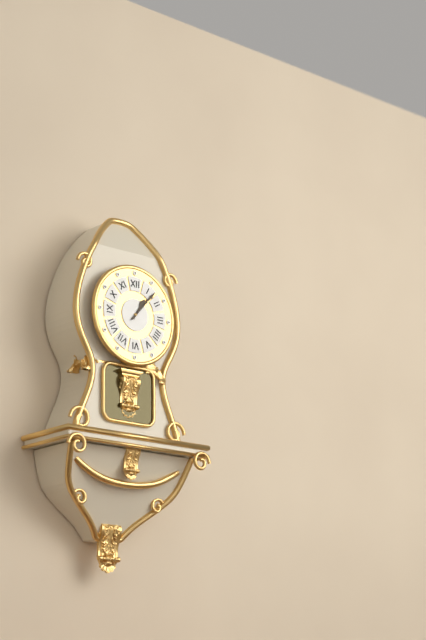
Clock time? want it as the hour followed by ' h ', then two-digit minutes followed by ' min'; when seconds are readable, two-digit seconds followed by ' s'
1 h 07 min
